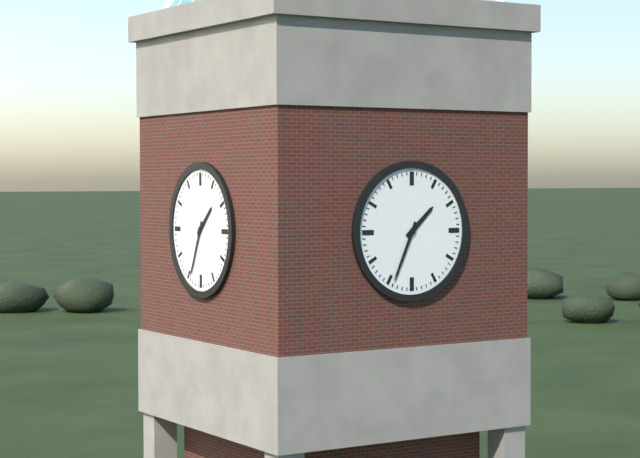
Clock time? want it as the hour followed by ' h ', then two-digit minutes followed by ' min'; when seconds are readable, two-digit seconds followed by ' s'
1 h 34 min
